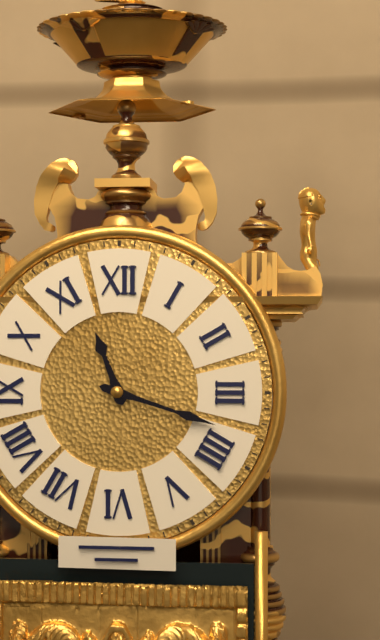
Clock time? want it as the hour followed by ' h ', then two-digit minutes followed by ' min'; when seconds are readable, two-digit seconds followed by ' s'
11 h 18 min
